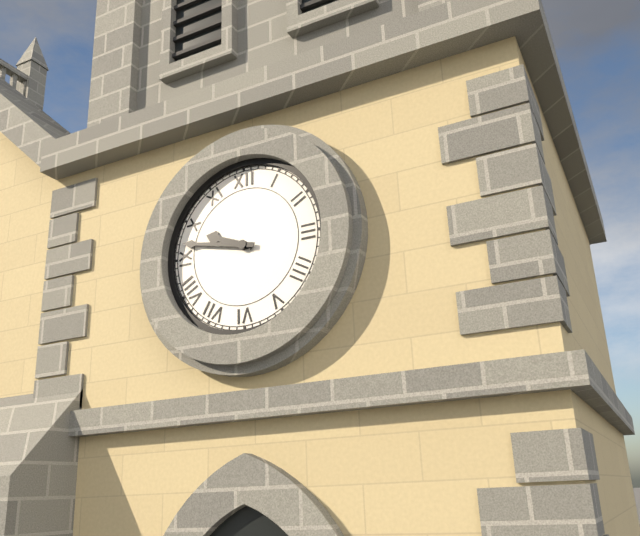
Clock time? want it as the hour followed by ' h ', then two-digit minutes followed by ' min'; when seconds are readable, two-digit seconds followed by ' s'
9 h 47 min
